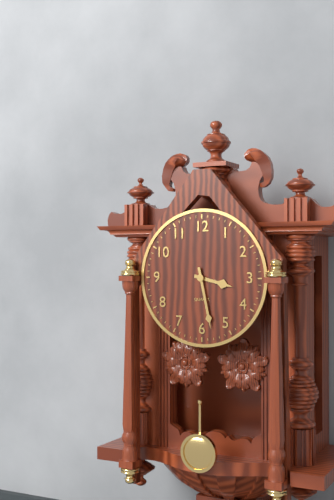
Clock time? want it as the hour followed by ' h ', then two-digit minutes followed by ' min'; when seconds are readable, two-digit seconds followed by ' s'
3 h 28 min
